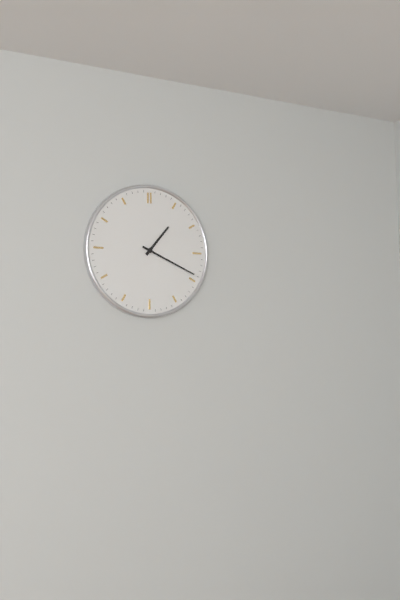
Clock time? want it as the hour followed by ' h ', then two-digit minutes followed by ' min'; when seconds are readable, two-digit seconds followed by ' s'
1 h 19 min
